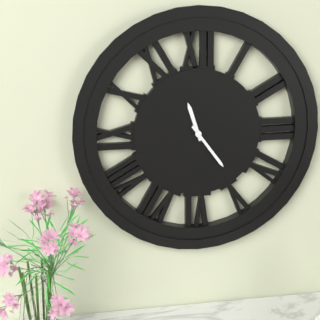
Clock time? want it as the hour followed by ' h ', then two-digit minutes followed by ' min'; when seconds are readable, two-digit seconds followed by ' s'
11 h 24 min
